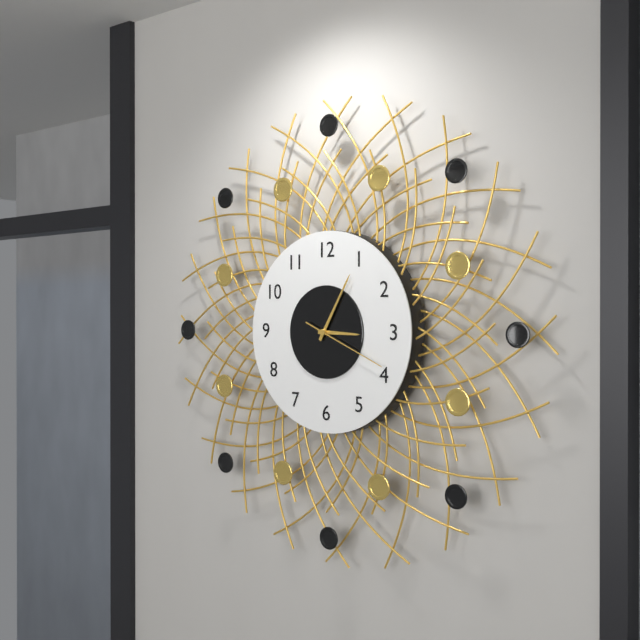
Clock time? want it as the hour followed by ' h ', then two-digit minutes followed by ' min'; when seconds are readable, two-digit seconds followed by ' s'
3 h 05 min 19 s
